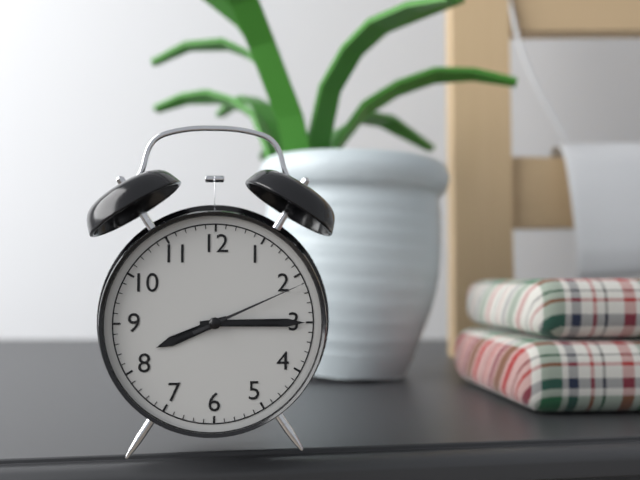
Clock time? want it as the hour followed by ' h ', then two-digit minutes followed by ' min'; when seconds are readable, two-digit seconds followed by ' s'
8 h 15 min 11 s
